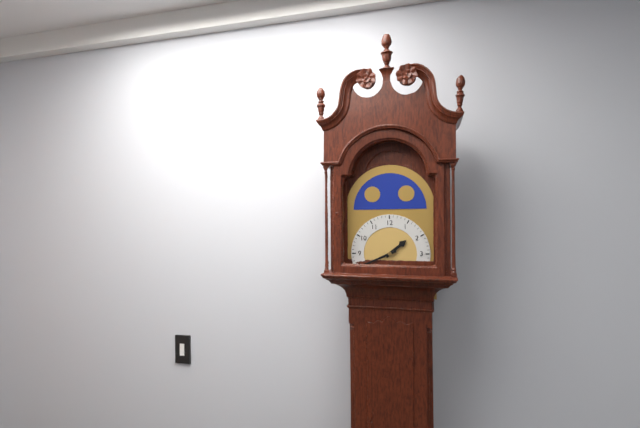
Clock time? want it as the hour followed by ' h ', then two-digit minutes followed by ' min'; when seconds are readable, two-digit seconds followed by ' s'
1 h 41 min
